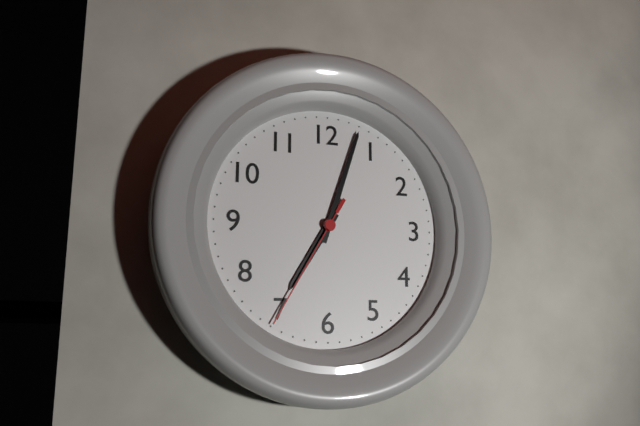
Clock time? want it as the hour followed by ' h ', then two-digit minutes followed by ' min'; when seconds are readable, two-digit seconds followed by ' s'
7 h 03 min 35 s
